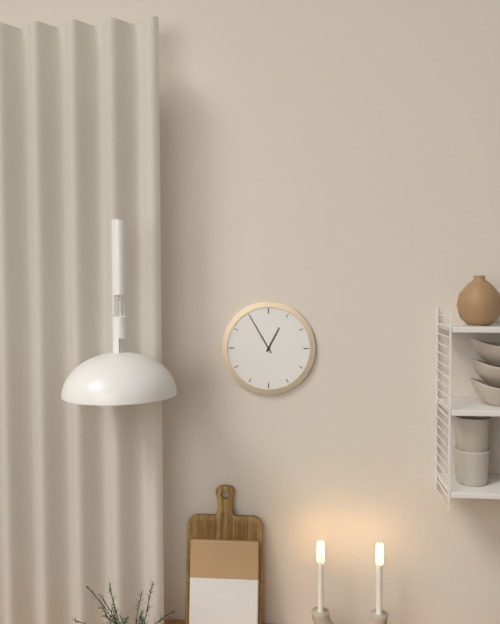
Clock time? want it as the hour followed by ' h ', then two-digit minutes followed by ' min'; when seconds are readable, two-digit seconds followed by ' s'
12 h 55 min
